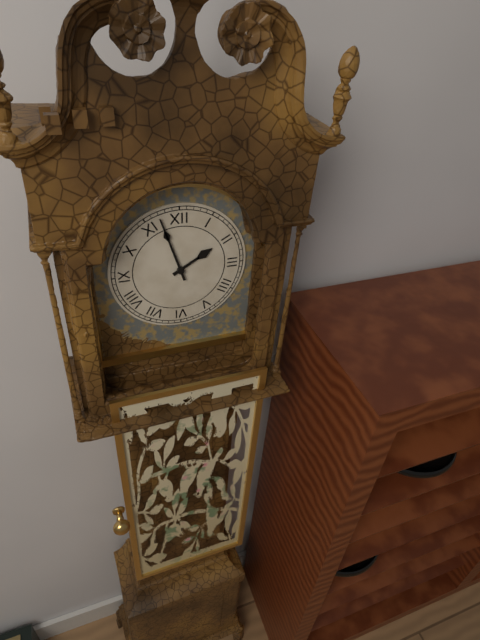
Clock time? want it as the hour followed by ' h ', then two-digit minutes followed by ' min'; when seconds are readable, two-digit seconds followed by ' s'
1 h 57 min
